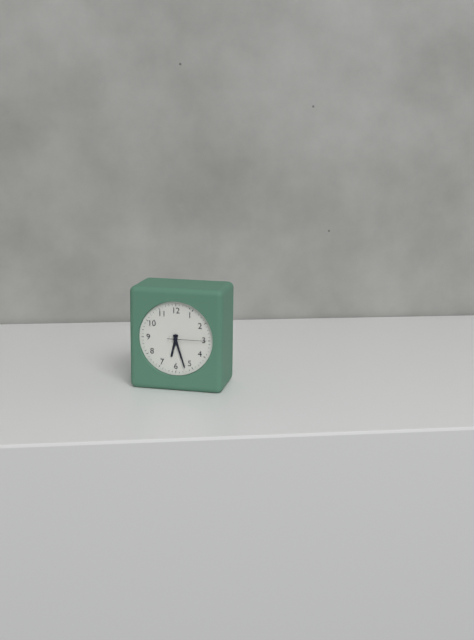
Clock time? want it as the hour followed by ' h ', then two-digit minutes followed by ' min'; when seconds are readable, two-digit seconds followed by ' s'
6 h 27 min
